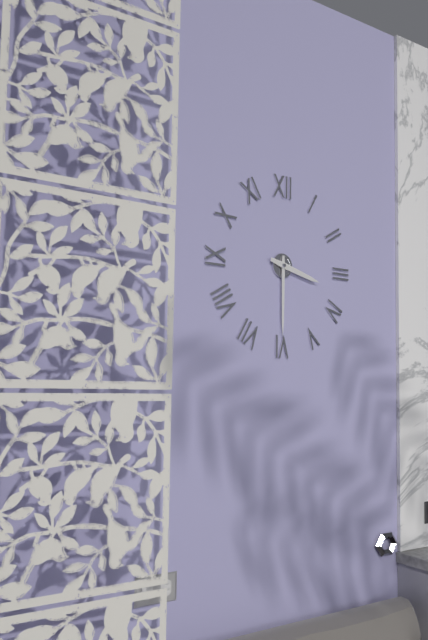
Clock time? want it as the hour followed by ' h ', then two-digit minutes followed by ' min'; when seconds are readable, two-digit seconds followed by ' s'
3 h 30 min
